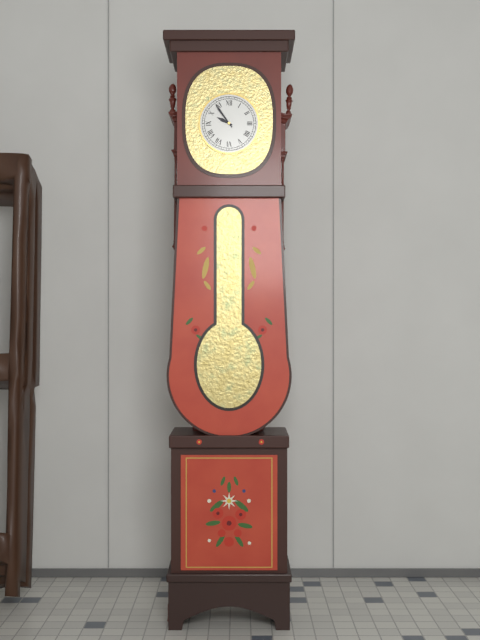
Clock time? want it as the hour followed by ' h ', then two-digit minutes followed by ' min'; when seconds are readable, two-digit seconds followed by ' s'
9 h 54 min
